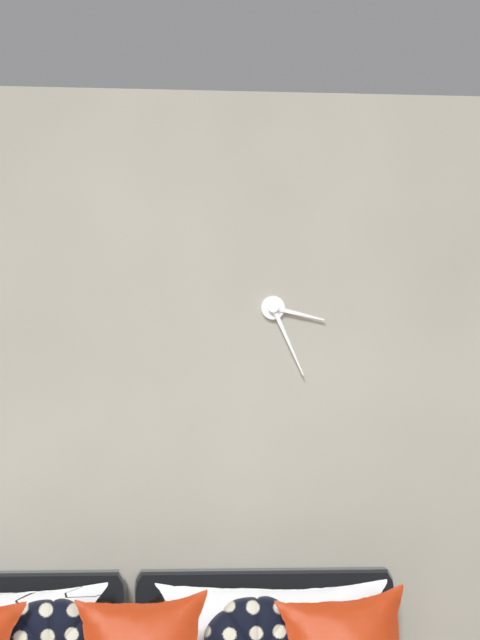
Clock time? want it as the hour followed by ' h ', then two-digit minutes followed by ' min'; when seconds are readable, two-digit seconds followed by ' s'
3 h 26 min
